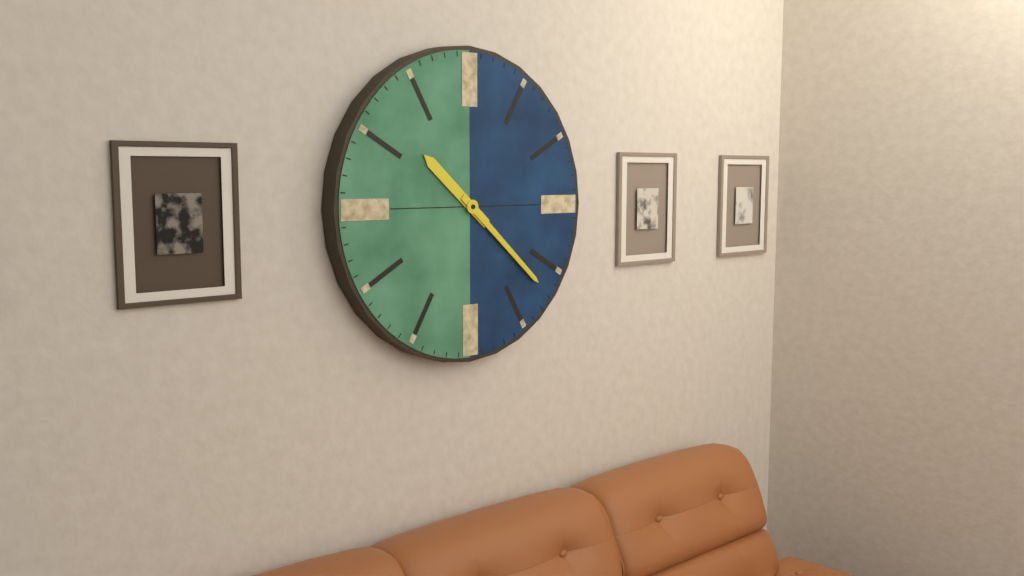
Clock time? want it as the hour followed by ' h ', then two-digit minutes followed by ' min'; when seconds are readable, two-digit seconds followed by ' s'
10 h 22 min
